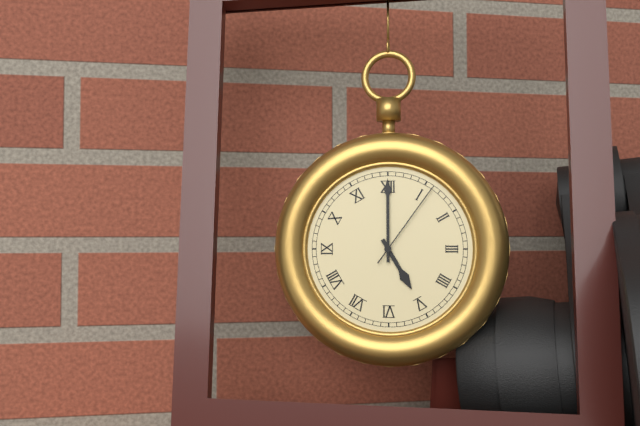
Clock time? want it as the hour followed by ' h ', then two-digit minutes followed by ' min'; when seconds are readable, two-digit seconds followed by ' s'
5 h 00 min 06 s
